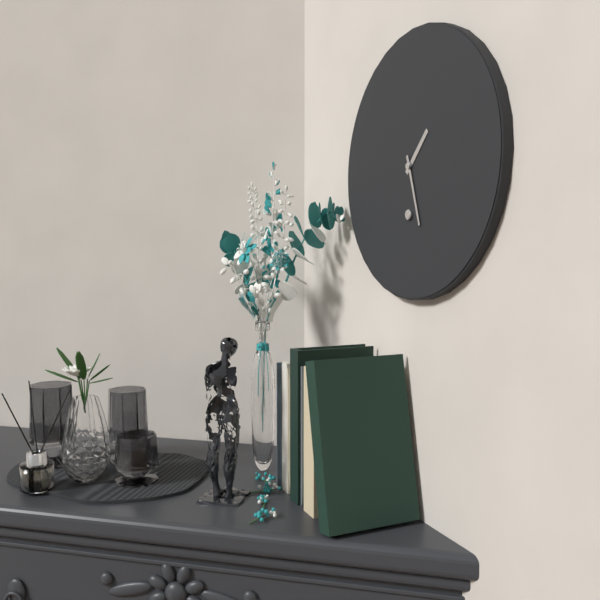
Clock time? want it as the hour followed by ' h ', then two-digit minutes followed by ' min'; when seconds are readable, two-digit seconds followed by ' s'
1 h 27 min
